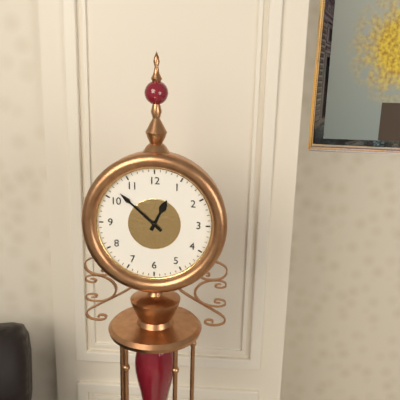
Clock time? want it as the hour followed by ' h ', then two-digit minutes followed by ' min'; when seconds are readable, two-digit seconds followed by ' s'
12 h 52 min
